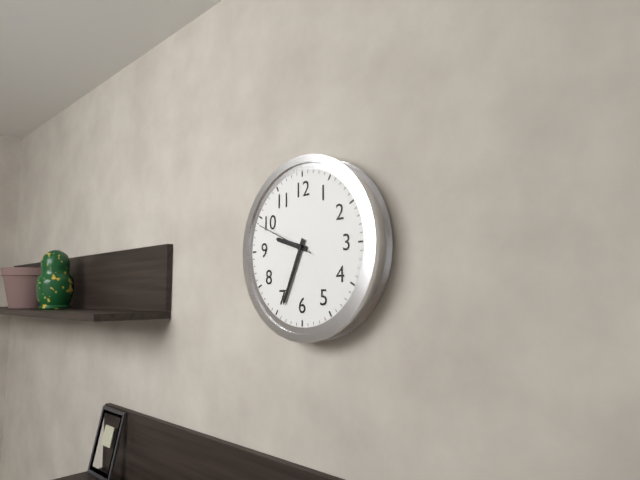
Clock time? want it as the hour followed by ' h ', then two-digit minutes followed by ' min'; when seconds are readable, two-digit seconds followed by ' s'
9 h 34 min 49 s
